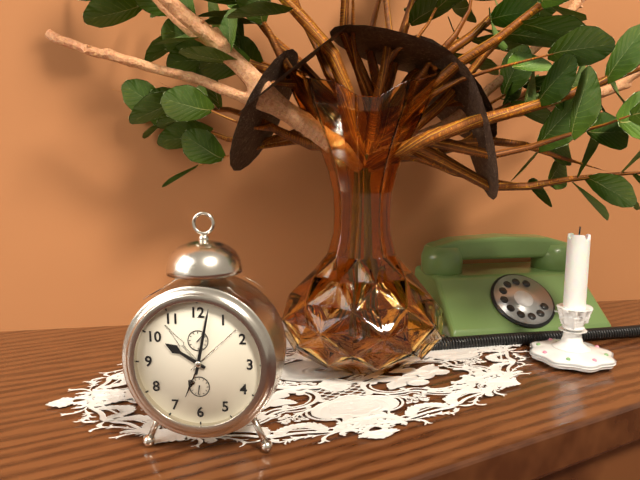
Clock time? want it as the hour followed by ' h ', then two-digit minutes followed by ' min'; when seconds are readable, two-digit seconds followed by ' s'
10 h 02 min
